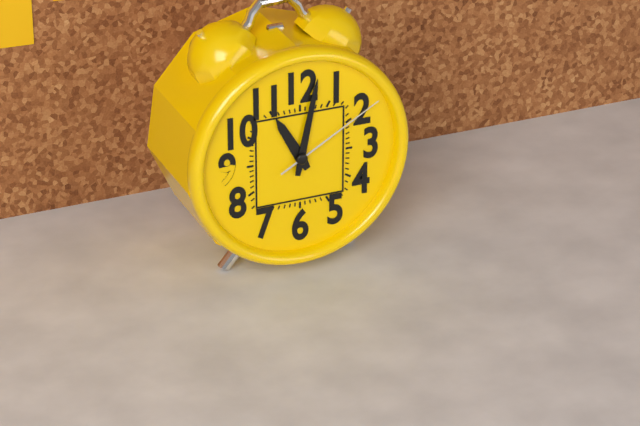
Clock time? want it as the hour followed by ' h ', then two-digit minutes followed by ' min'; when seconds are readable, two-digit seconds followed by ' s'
11 h 02 min 10 s
